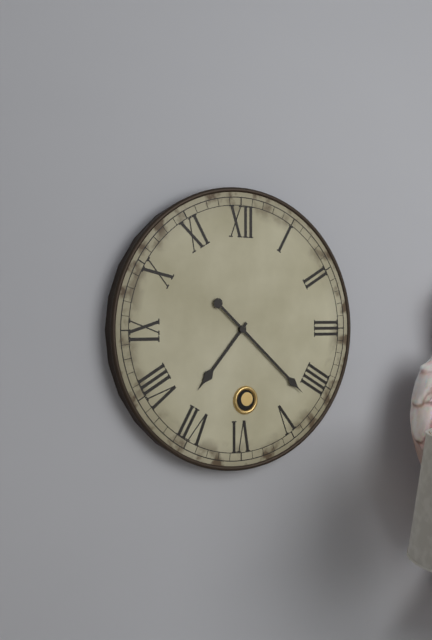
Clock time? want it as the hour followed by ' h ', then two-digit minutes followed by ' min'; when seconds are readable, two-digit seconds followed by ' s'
7 h 22 min
